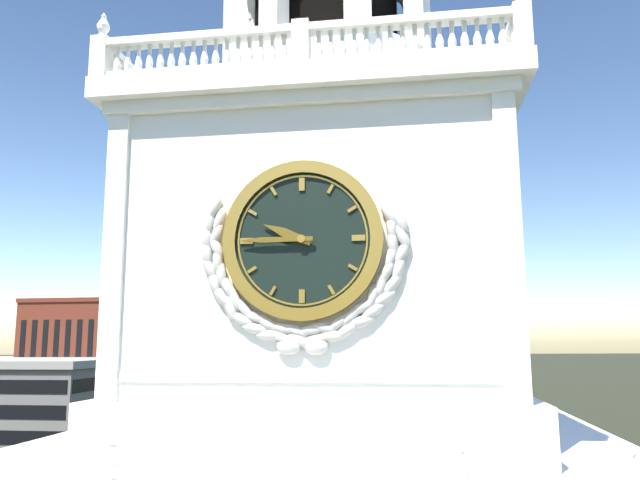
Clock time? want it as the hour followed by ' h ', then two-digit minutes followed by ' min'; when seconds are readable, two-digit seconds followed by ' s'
9 h 45 min
